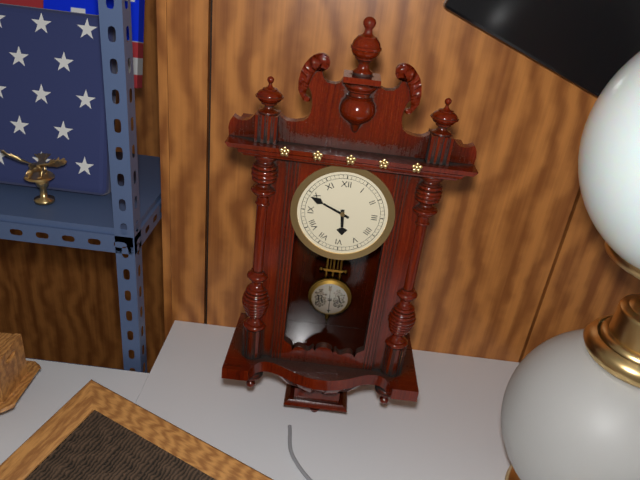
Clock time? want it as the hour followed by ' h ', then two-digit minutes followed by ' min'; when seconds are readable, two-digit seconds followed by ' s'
5 h 49 min
